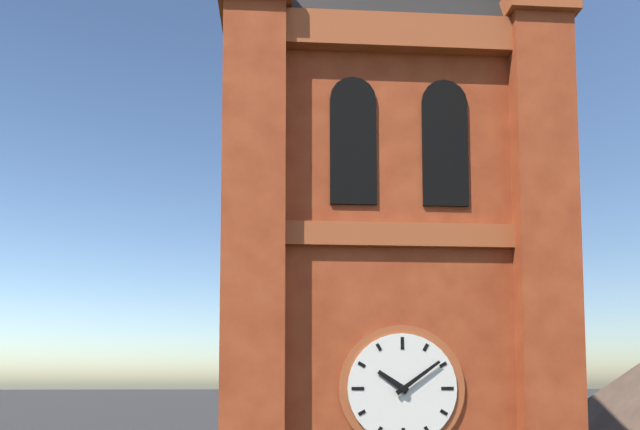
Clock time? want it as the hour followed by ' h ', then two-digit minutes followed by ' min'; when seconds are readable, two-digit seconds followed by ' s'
10 h 09 min
